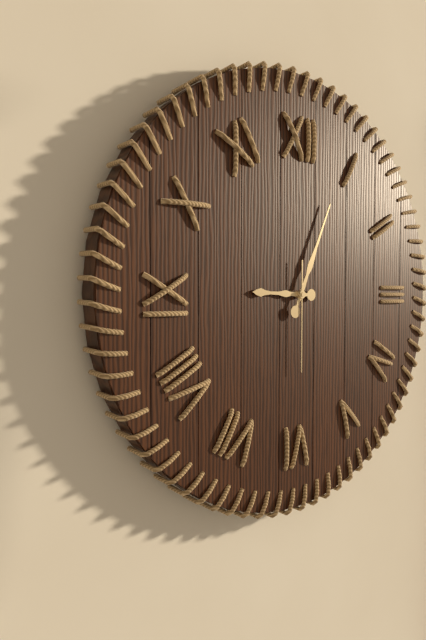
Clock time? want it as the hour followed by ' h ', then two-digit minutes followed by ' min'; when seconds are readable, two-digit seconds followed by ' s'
9 h 04 min 30 s
